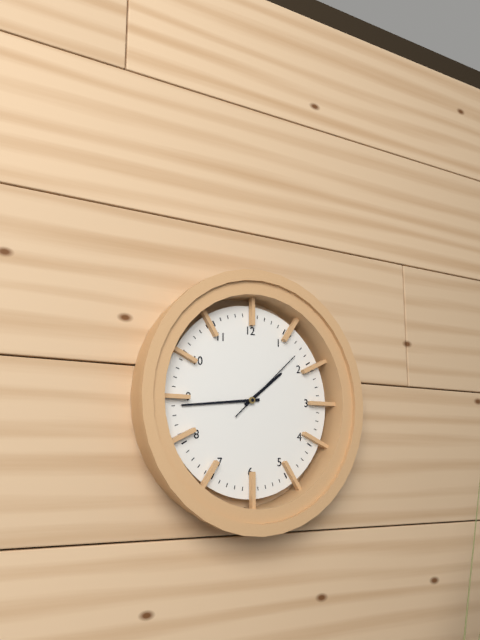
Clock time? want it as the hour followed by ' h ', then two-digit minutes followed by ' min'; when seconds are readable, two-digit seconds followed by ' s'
1 h 44 min 08 s
